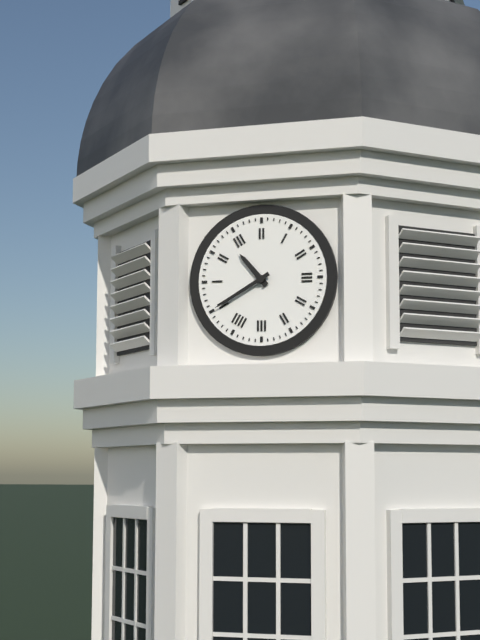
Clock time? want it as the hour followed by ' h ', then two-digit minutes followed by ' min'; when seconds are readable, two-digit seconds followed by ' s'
10 h 40 min
